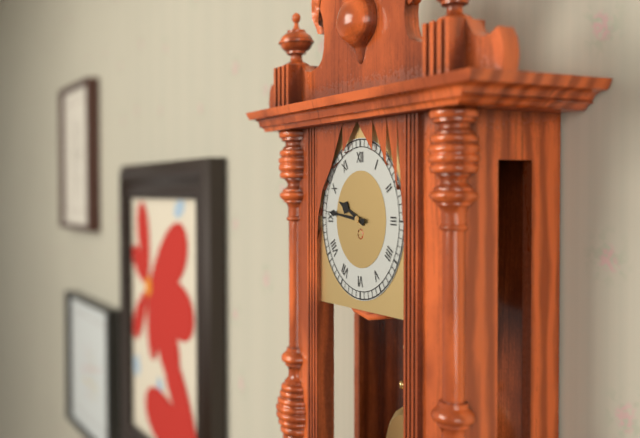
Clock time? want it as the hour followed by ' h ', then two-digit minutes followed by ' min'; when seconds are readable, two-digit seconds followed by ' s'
9 h 46 min
